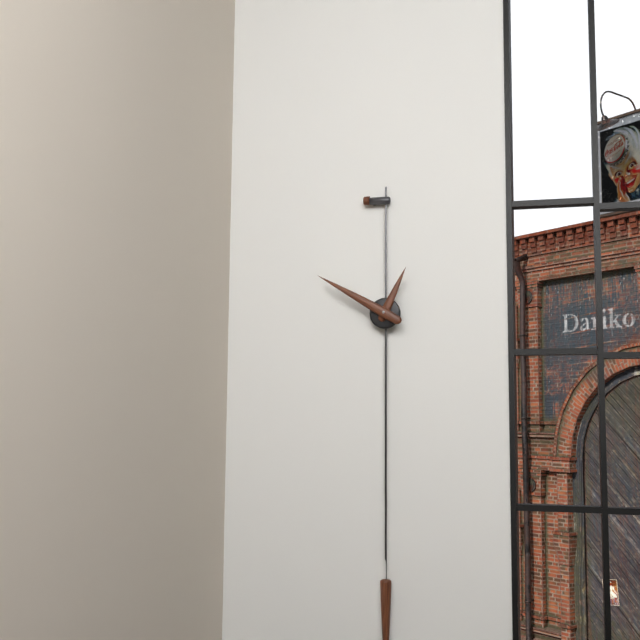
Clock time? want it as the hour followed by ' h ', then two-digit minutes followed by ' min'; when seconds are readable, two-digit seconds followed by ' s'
12 h 50 min
